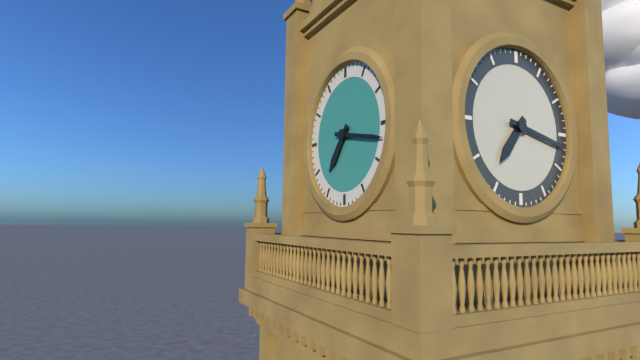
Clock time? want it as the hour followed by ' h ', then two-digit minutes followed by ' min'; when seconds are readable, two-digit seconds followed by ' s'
7 h 17 min
